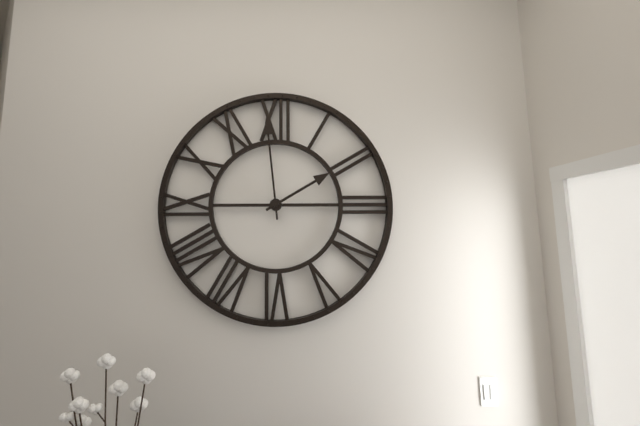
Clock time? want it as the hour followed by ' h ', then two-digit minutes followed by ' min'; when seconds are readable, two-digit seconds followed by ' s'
1 h 59 min
